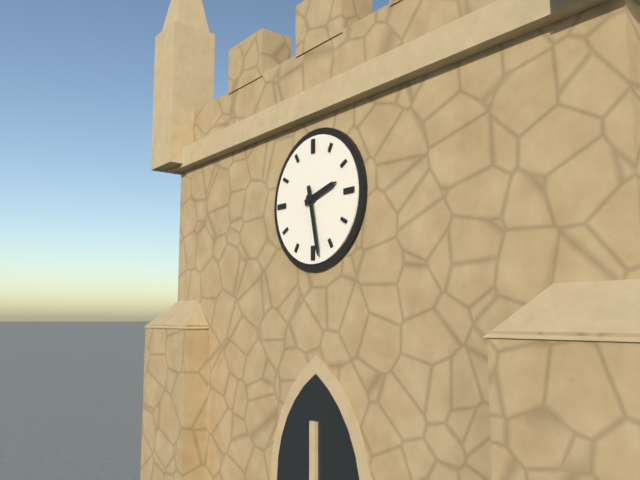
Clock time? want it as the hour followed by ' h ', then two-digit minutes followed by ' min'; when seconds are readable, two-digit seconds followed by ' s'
2 h 28 min
